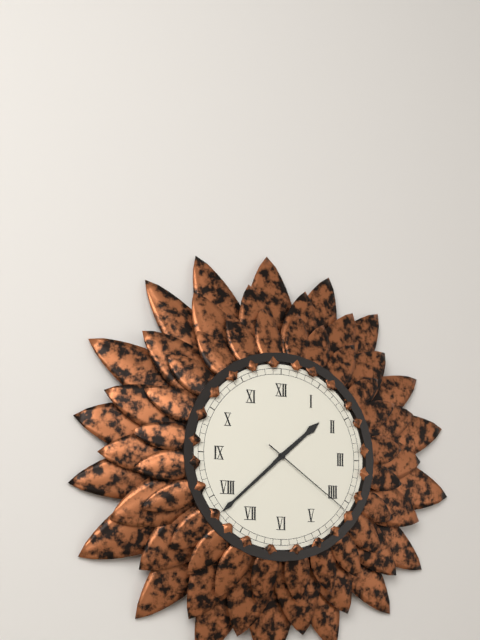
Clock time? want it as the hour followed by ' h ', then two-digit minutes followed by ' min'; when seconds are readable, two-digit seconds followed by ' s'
1 h 38 min 21 s
